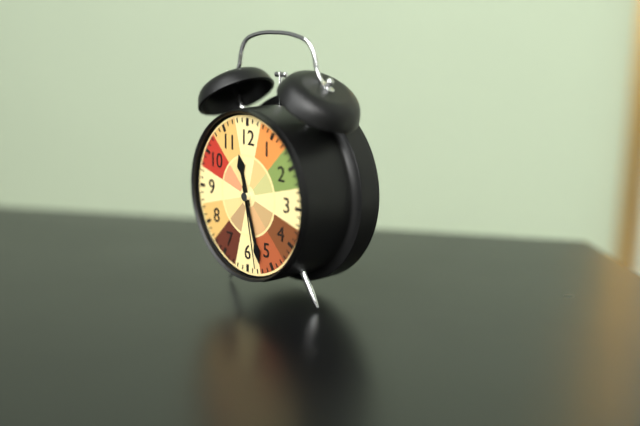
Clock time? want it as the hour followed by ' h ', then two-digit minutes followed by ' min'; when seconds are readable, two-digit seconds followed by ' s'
11 h 27 min 28 s
